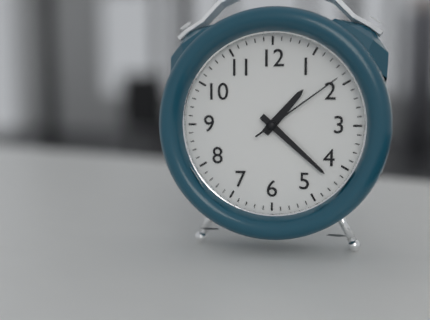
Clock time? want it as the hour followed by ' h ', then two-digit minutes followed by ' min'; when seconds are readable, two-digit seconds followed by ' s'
1 h 22 min 09 s
